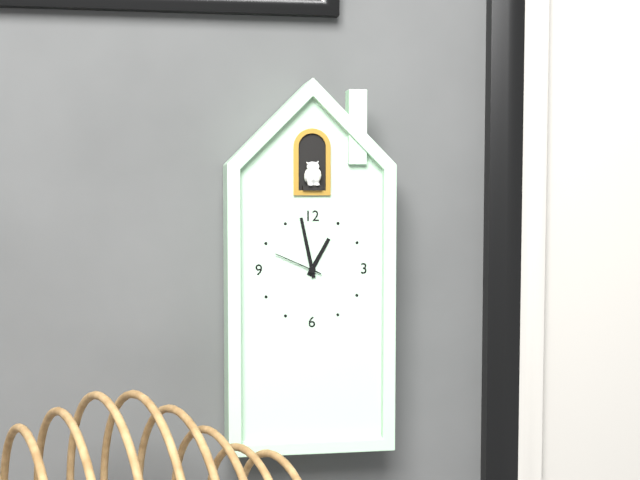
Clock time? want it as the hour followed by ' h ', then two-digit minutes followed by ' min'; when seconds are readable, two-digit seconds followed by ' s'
12 h 58 min 49 s
